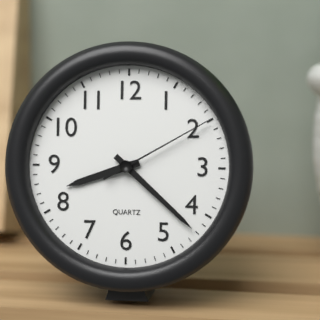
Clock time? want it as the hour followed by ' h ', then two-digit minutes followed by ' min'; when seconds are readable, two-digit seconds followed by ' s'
8 h 22 min 10 s
